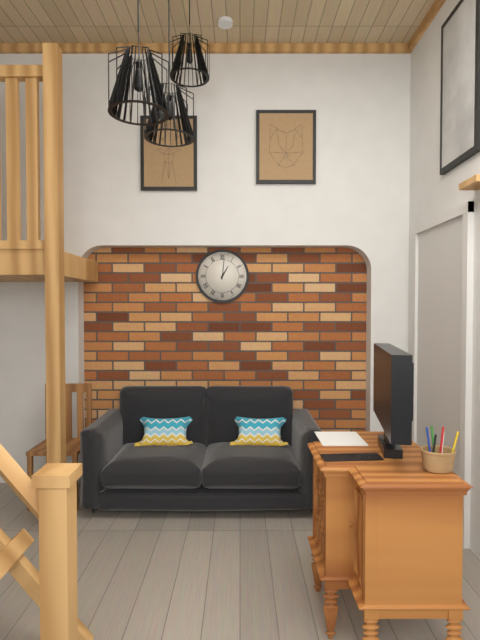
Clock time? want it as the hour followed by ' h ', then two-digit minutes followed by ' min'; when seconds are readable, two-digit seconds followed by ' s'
1 h 01 min
